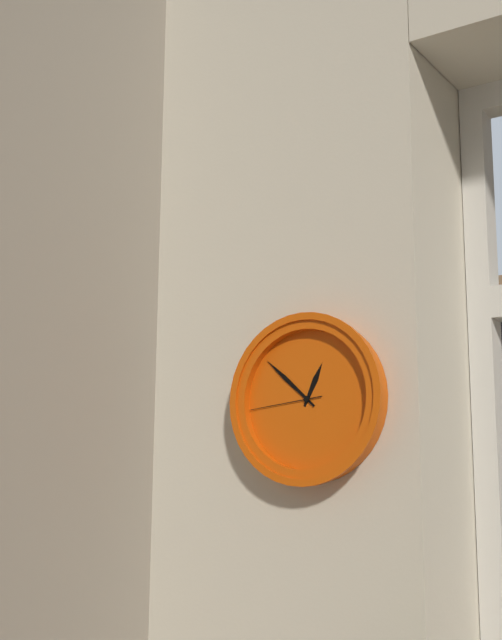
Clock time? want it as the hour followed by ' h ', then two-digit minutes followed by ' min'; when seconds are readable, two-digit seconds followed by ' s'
12 h 52 min 44 s
